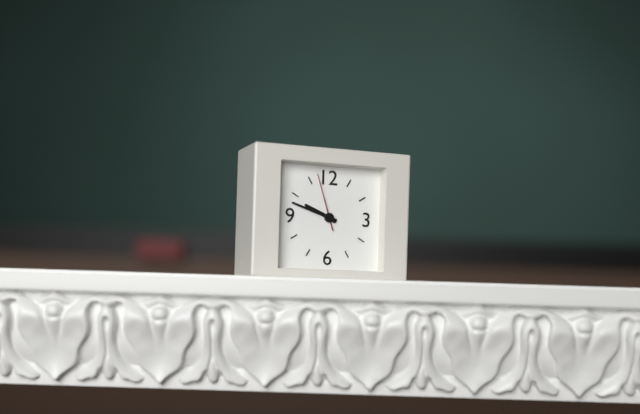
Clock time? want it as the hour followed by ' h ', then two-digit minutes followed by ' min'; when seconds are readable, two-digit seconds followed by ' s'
9 h 48 min 57 s
